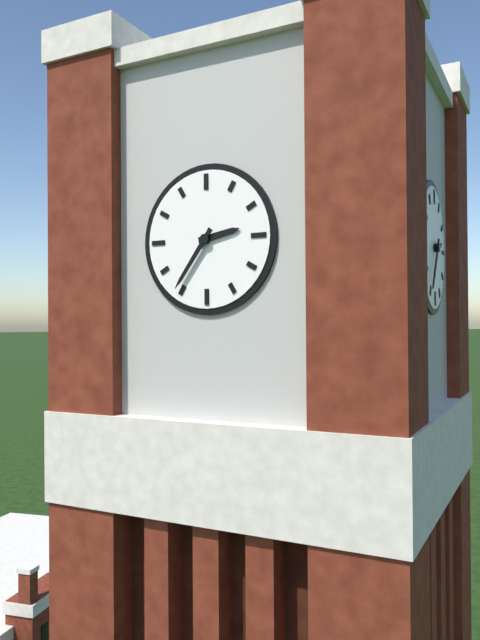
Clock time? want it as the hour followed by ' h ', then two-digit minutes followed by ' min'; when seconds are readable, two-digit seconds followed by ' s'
2 h 36 min
